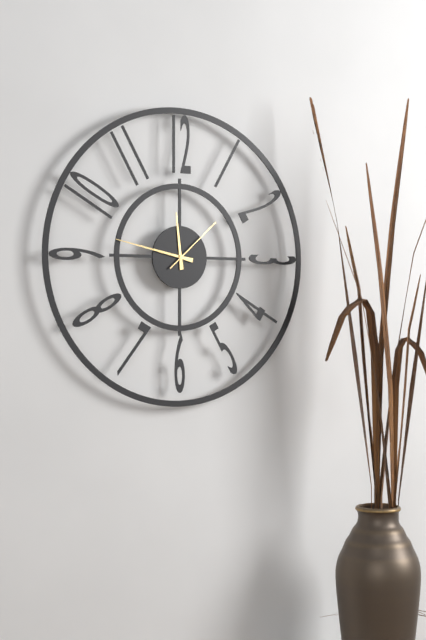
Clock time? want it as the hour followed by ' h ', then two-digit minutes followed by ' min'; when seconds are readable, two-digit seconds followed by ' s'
11 h 47 min 08 s
